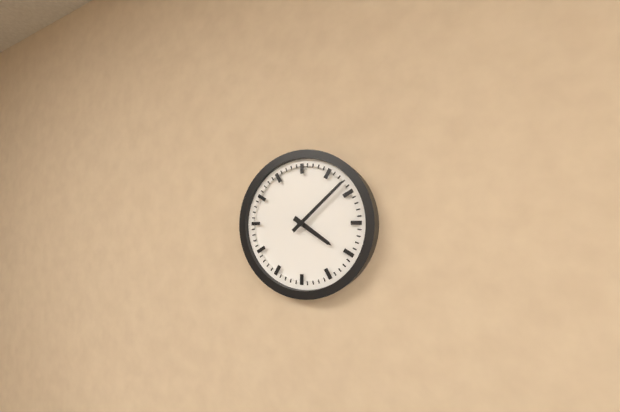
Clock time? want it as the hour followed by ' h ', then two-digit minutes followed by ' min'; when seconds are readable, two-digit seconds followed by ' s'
4 h 08 min
